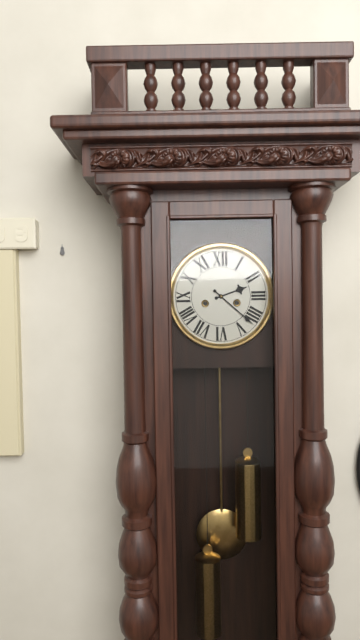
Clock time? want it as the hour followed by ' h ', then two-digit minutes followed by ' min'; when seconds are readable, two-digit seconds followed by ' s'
2 h 22 min
